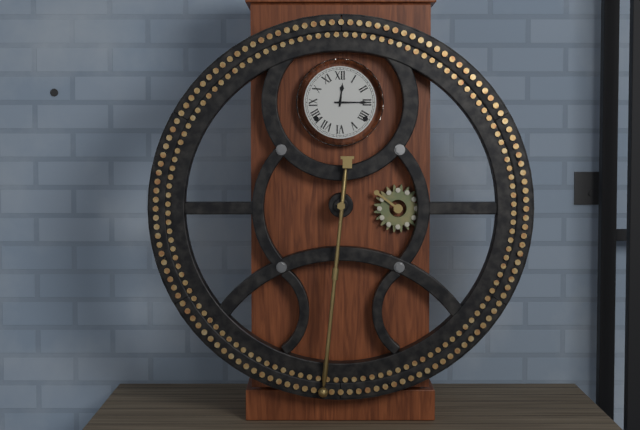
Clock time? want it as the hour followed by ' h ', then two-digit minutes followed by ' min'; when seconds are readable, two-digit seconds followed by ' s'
12 h 15 min
